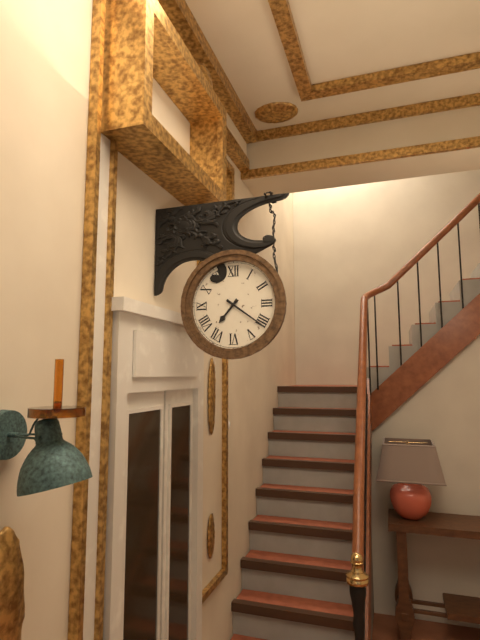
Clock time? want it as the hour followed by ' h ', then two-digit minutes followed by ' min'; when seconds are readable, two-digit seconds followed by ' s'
7 h 21 min
